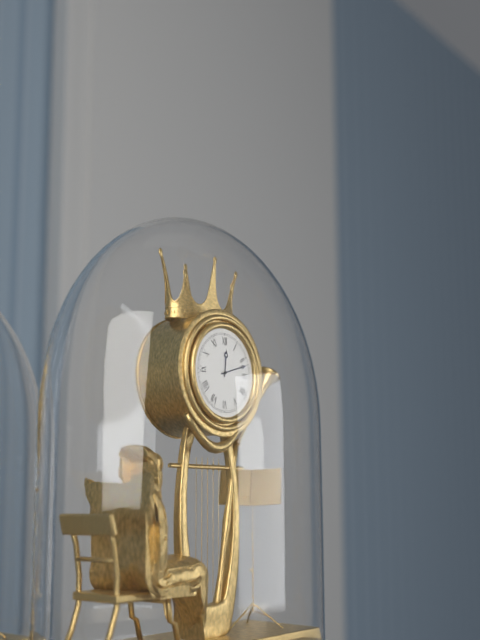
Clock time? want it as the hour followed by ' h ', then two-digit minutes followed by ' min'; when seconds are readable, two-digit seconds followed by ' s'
12 h 12 min
